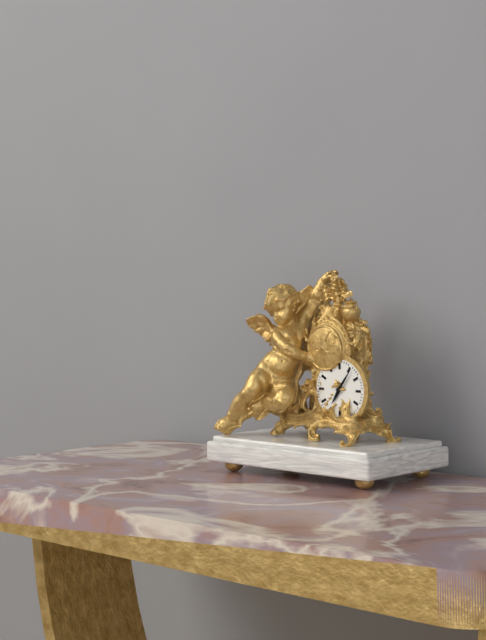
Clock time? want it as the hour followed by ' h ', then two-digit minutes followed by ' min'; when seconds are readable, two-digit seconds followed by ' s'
7 h 06 min
